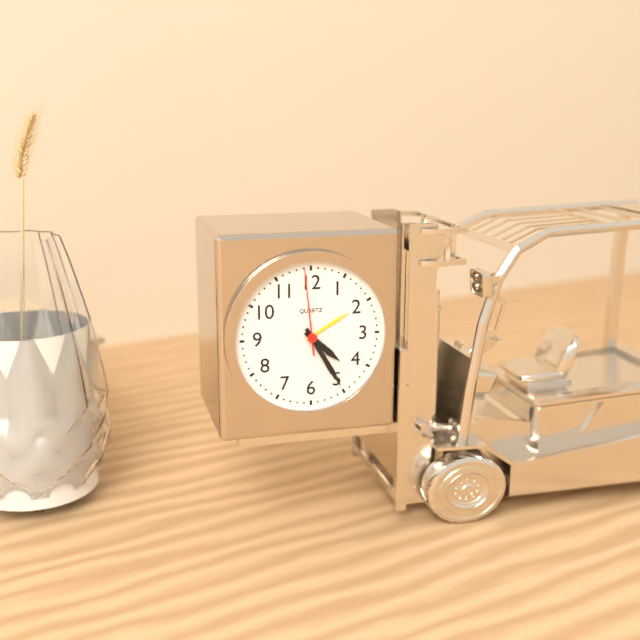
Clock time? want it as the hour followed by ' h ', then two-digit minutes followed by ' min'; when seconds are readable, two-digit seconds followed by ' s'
4 h 25 min 59 s
